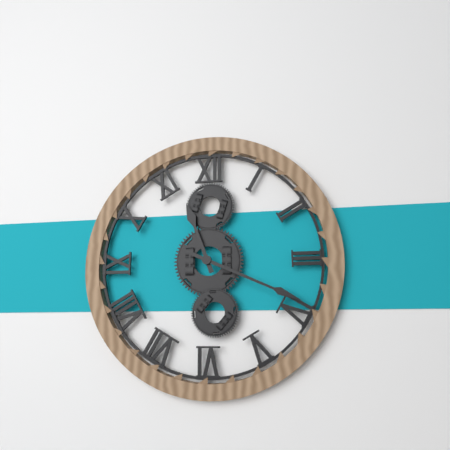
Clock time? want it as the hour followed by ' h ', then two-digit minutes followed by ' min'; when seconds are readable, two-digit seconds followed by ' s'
11 h 19 min
